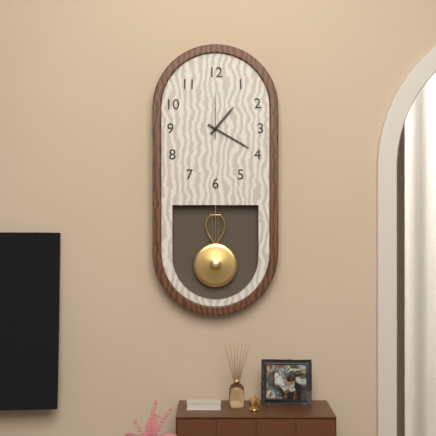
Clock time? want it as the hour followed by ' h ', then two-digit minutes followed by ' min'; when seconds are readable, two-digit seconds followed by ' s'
1 h 20 min
